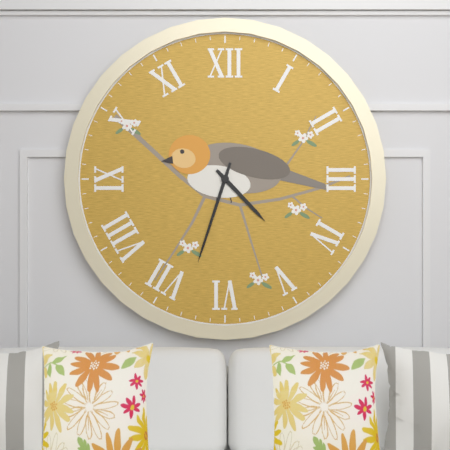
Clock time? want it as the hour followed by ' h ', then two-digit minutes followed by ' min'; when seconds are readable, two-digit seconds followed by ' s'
4 h 33 min
